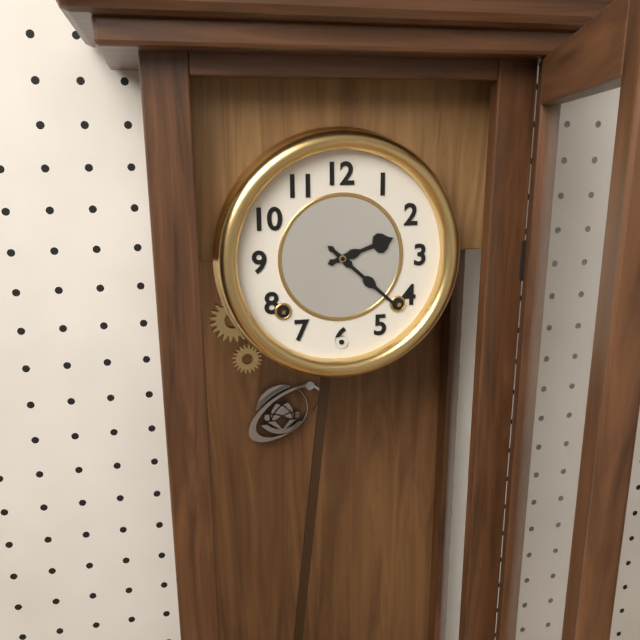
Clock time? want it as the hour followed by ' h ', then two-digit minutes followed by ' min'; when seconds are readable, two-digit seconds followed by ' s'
2 h 22 min
